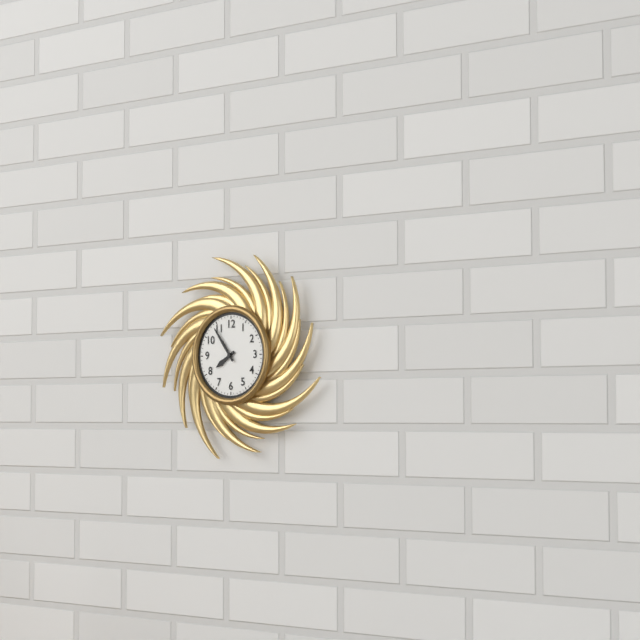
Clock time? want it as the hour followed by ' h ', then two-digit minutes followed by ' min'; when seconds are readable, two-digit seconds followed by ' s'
7 h 54 min
